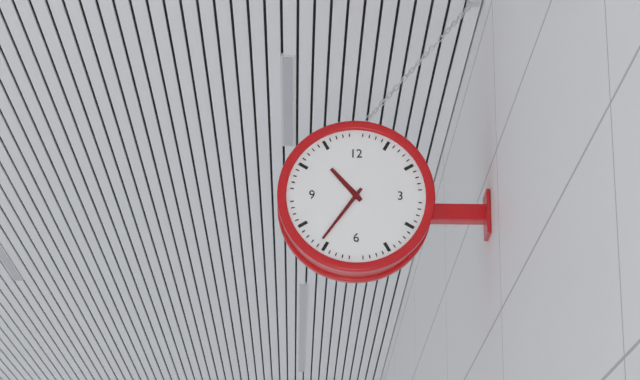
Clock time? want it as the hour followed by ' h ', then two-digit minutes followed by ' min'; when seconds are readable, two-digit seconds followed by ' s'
10 h 36 min
